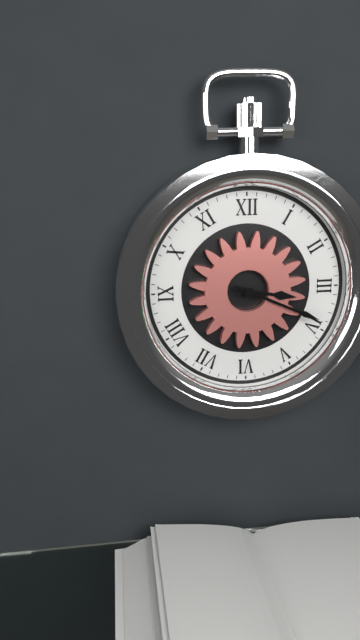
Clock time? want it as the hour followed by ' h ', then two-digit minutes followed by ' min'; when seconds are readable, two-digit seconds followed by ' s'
3 h 19 min
